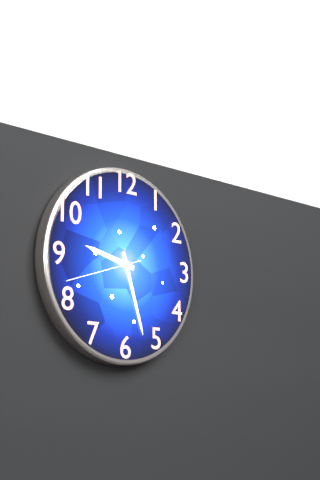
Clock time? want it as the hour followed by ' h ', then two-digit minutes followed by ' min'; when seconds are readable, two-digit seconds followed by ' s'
9 h 27 min 42 s
